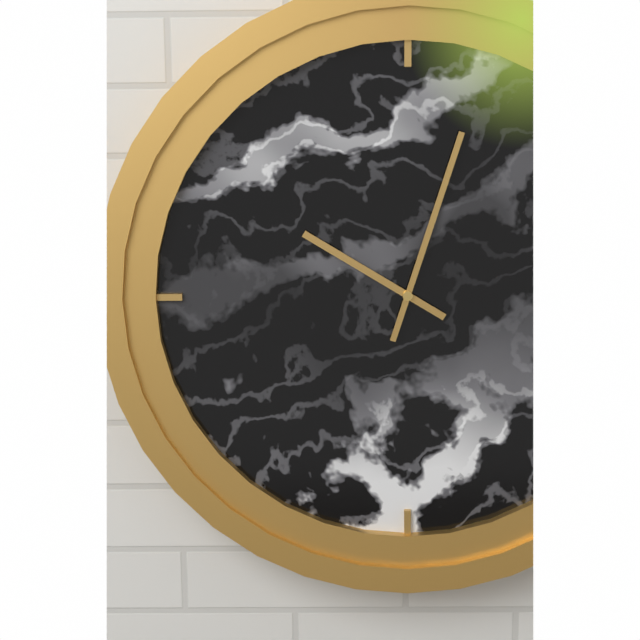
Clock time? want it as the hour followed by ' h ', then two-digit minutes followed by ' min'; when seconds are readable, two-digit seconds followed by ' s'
10 h 03 min
